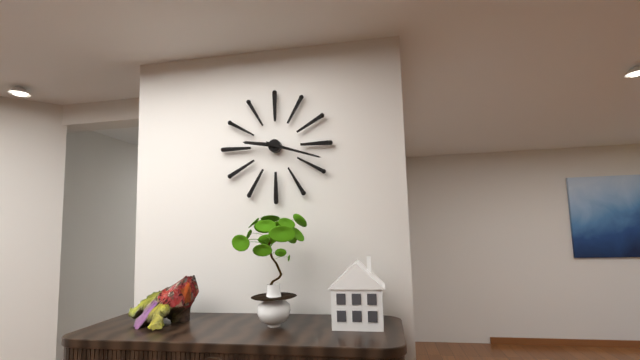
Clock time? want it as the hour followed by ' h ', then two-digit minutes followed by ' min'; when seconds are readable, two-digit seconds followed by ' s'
9 h 18 min
